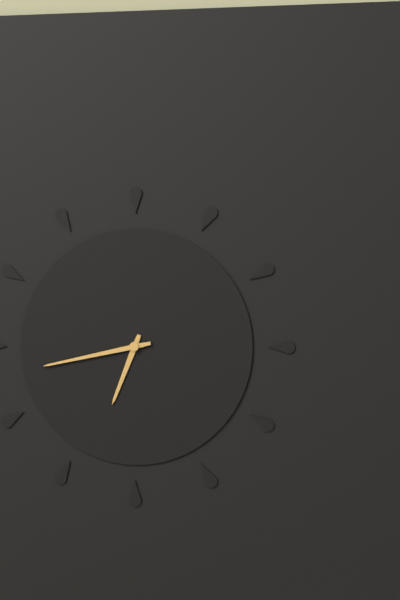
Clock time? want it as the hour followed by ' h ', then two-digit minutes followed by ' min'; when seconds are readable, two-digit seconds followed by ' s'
6 h 43 min
